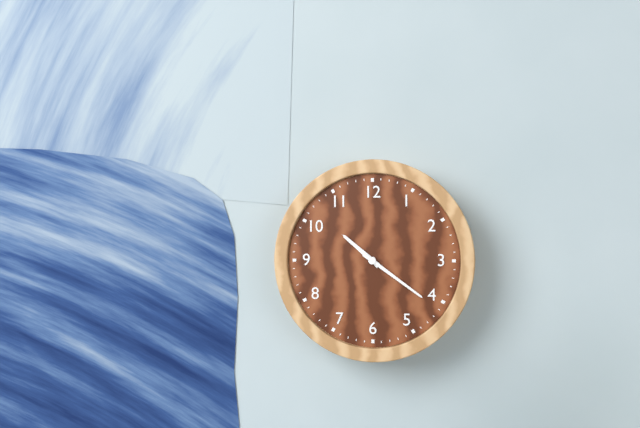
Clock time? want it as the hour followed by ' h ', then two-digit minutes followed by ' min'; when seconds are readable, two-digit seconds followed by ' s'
10 h 21 min
